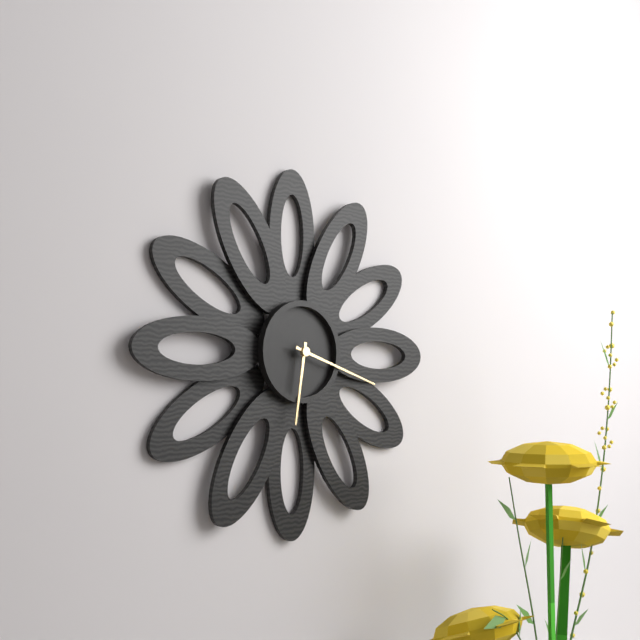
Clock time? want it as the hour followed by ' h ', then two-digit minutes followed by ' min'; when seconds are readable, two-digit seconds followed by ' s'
6 h 18 min
